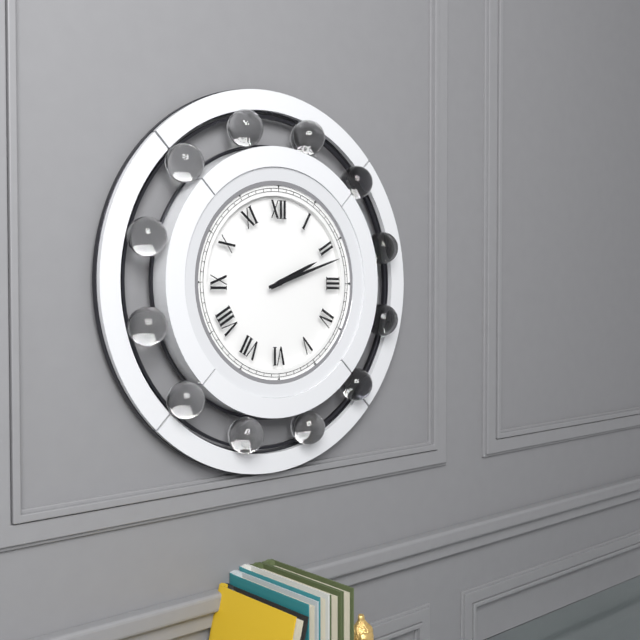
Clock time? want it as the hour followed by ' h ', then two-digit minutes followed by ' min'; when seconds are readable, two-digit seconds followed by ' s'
2 h 12 min
